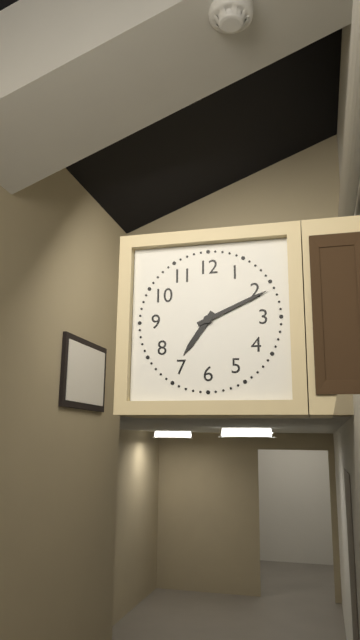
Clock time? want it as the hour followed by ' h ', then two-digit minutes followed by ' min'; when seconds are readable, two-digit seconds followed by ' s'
7 h 11 min
